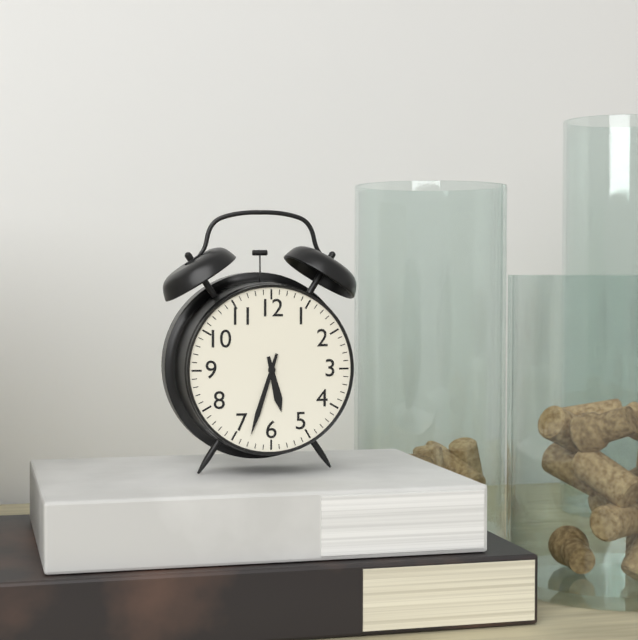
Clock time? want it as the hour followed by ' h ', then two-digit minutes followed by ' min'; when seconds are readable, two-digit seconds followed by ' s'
5 h 33 min
